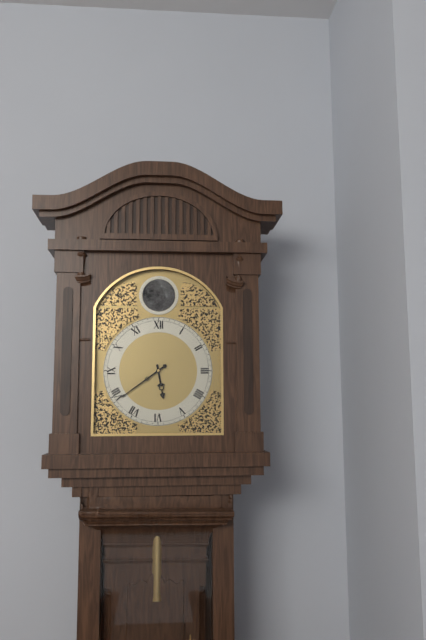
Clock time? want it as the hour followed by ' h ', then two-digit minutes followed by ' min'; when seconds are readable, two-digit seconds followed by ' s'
5 h 39 min
